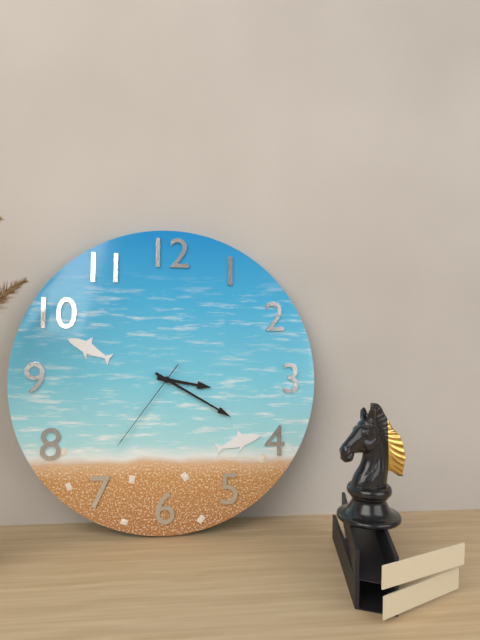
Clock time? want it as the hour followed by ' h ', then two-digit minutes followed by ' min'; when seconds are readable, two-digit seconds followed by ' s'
3 h 20 min 36 s
